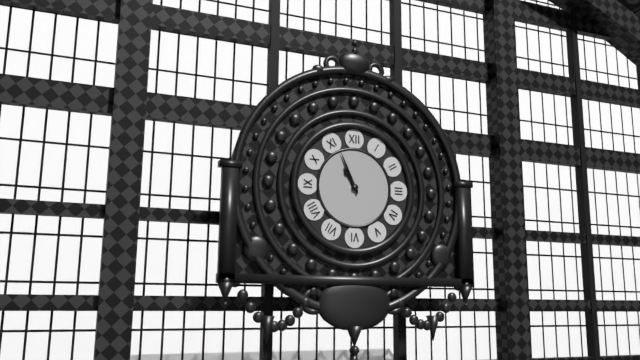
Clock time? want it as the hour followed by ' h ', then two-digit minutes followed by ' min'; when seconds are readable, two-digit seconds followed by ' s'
10 h 56 min
